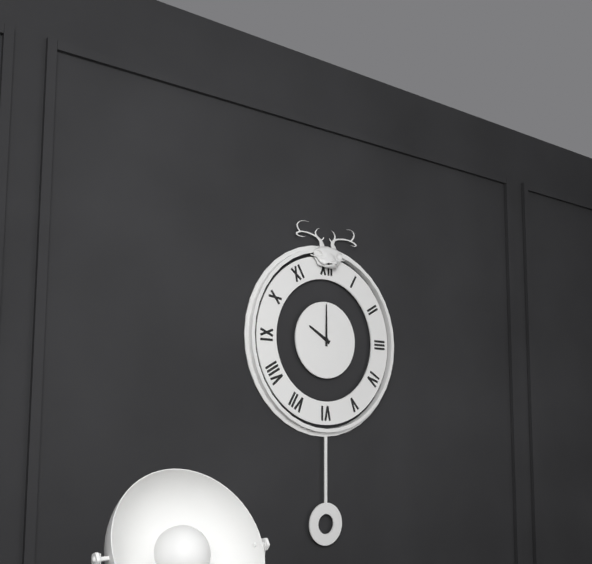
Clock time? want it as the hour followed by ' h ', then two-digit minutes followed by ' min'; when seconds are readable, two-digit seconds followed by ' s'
10 h 00 min
